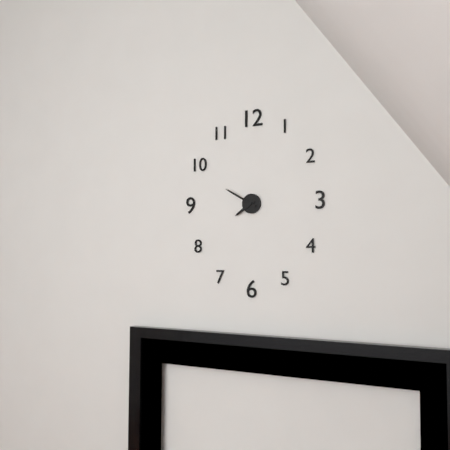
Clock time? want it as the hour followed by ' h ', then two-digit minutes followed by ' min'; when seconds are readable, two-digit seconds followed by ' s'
7 h 50 min
